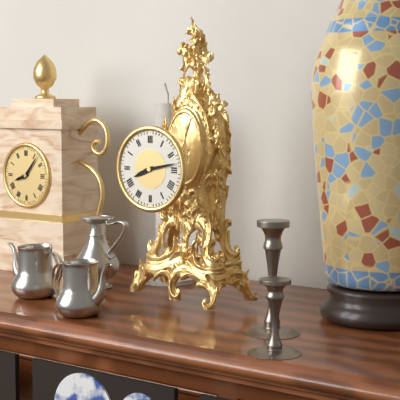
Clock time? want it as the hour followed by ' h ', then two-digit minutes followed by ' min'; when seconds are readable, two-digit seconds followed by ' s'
8 h 13 min
